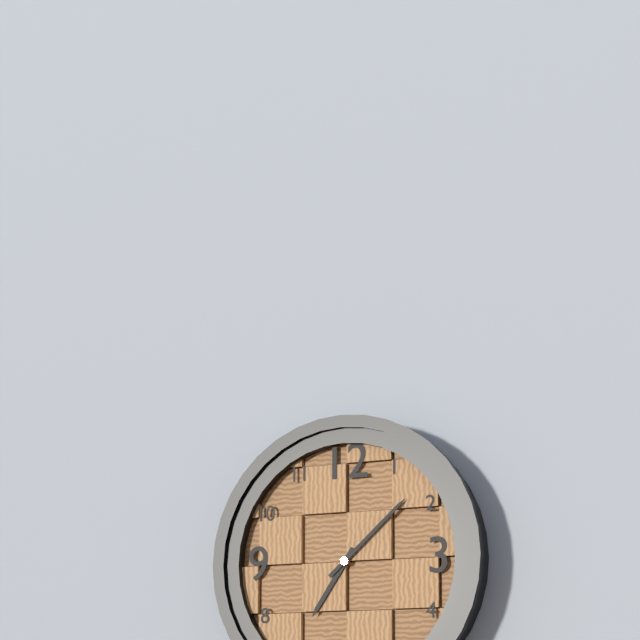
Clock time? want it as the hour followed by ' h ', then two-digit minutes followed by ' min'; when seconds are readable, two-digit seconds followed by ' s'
7 h 08 min
